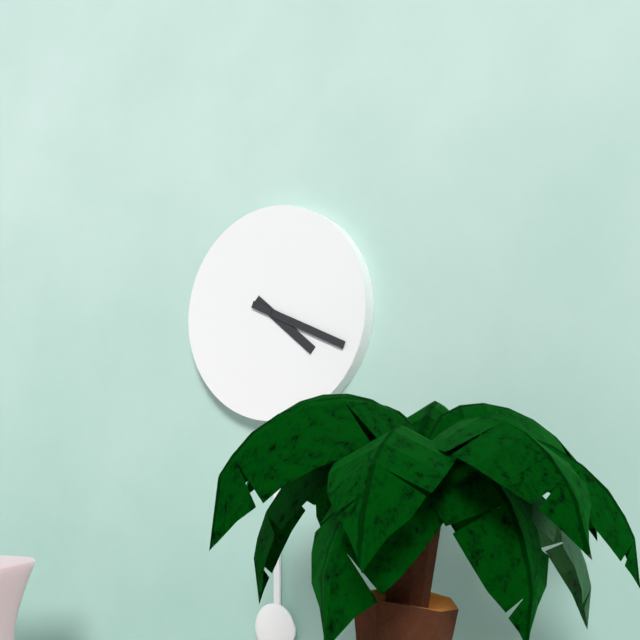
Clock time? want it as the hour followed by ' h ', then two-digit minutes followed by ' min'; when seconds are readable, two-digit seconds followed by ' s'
4 h 19 min
